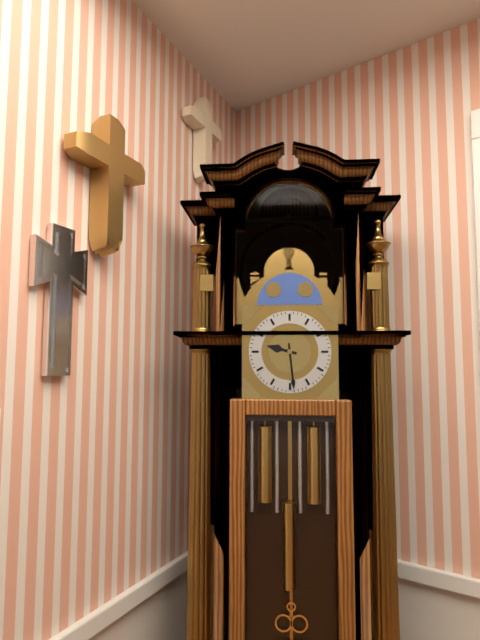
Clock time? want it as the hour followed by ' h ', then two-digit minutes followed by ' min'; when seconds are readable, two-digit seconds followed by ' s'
9 h 29 min
